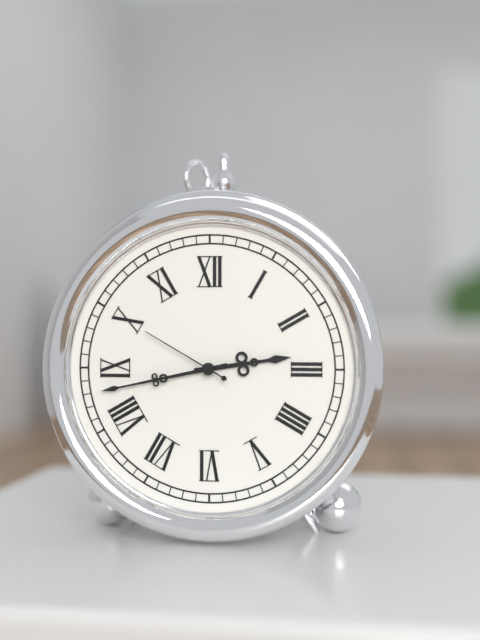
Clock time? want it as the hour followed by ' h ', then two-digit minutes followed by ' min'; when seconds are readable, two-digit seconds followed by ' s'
2 h 43 min 50 s
